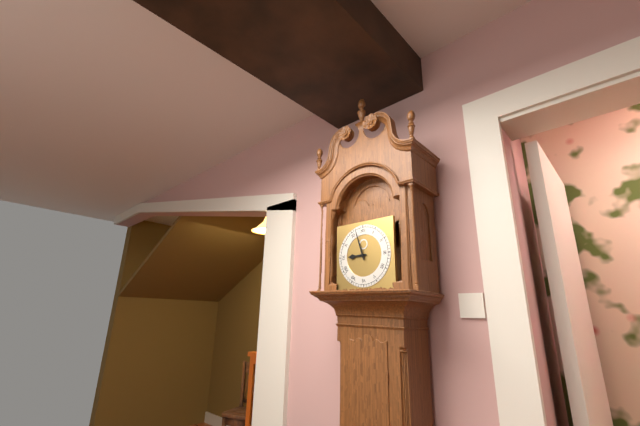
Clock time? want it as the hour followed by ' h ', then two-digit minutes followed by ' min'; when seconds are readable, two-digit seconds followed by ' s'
8 h 57 min
